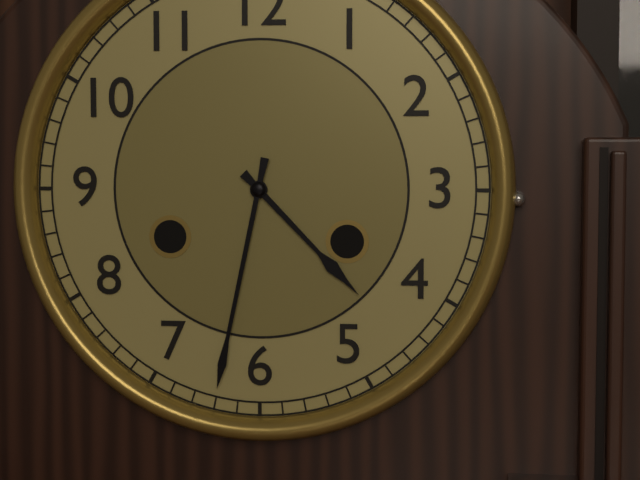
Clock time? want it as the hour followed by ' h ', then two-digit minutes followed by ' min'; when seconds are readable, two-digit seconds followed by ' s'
4 h 32 min
